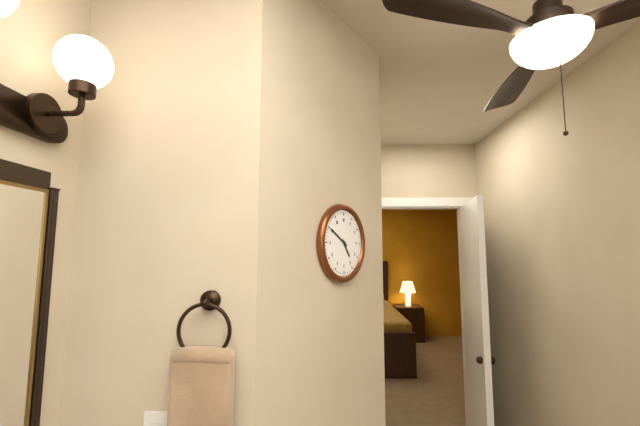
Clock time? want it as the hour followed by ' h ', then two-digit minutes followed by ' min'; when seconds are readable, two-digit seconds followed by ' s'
4 h 50 min
